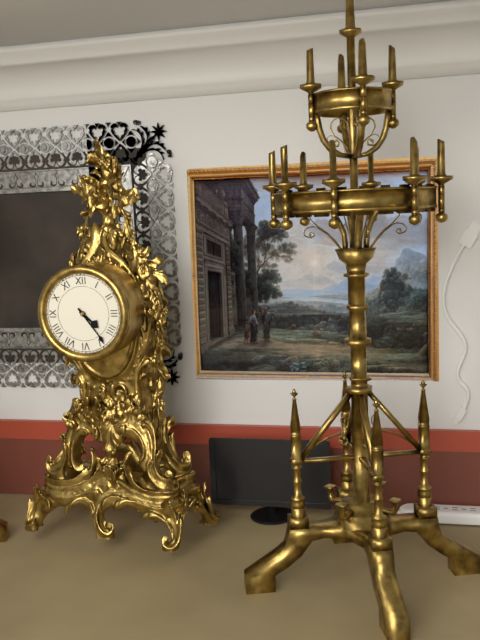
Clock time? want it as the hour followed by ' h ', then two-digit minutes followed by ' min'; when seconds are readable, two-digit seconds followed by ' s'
4 h 24 min
